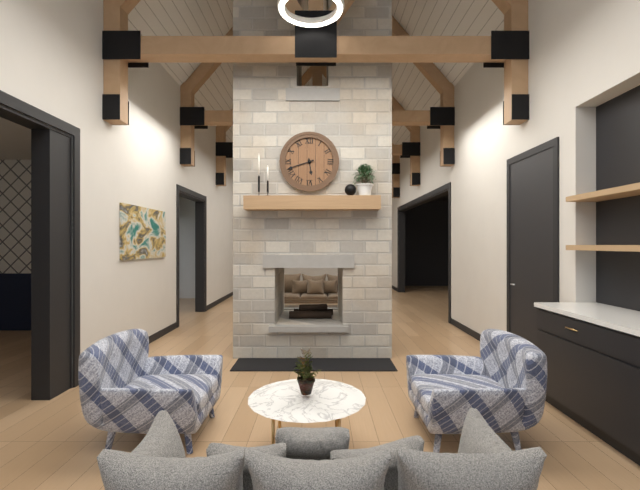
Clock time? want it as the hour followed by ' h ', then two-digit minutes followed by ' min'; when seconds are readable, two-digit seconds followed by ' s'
5 h 42 min
